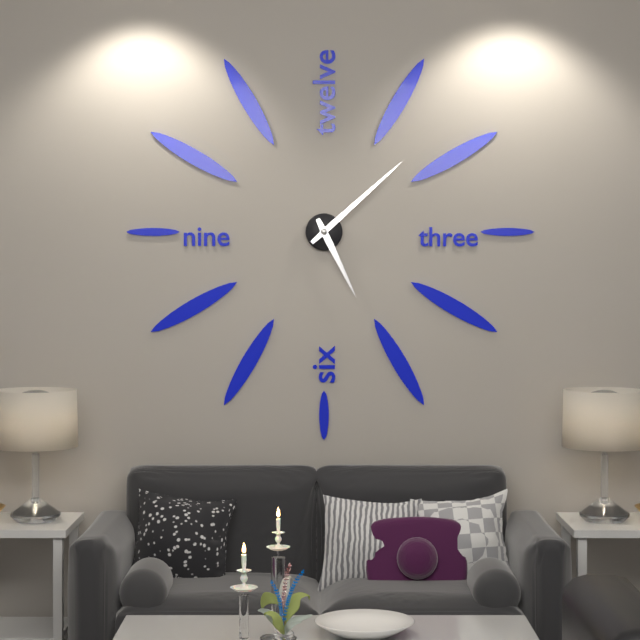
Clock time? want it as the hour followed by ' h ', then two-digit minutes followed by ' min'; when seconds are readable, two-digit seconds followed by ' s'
5 h 08 min
